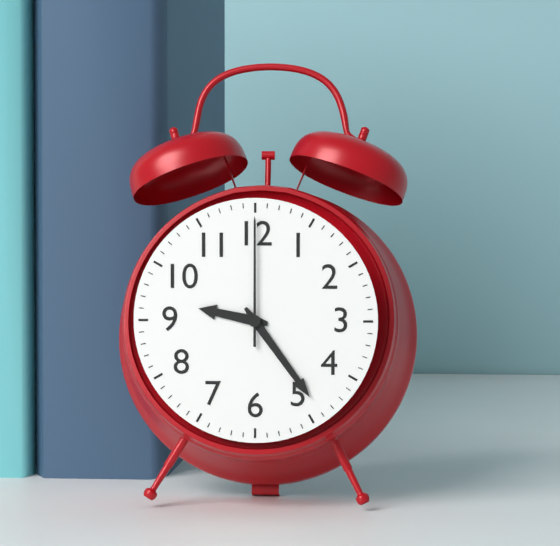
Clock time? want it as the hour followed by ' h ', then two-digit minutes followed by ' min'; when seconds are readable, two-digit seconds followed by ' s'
9 h 24 min 00 s
